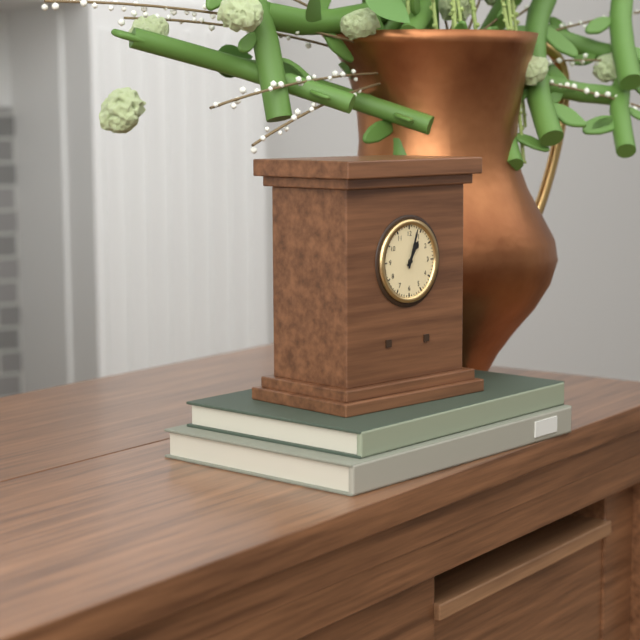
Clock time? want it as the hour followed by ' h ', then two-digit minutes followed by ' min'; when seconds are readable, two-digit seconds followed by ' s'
1 h 03 min
